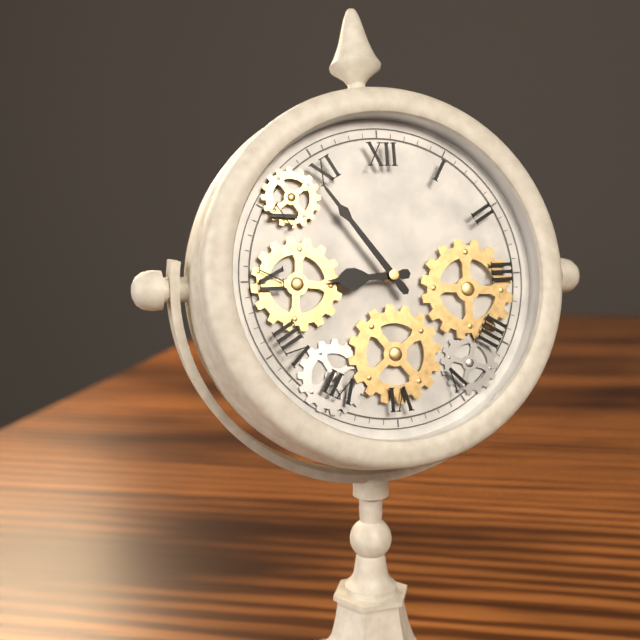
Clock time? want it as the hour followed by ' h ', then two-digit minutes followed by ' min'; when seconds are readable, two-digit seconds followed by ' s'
8 h 54 min
